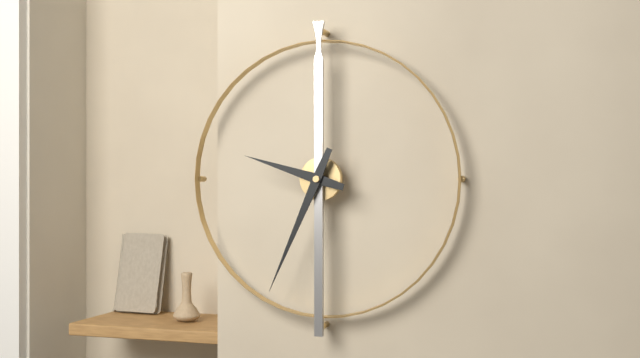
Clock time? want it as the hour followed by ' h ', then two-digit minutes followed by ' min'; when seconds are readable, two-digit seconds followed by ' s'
9 h 34 min
